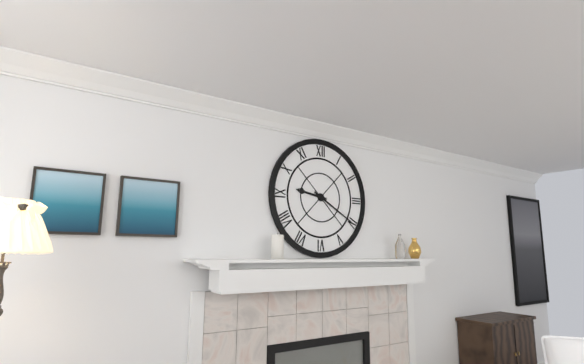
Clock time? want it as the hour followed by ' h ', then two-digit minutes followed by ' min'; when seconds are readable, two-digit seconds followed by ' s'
9 h 20 min
